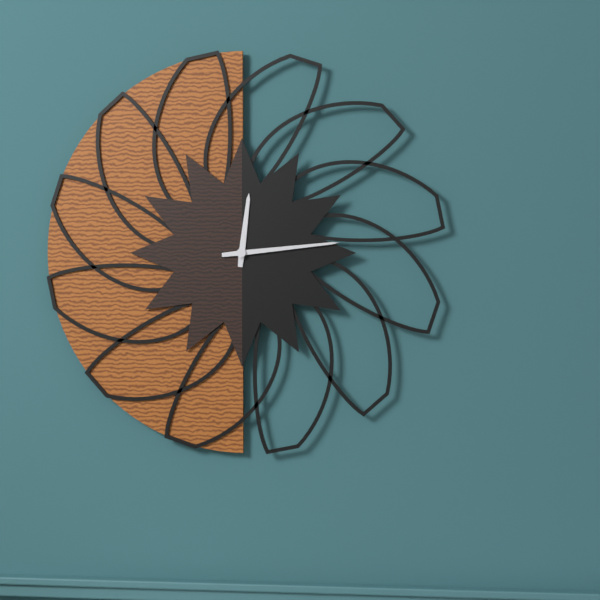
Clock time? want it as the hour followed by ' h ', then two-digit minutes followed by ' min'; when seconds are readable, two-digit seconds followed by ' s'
12 h 14 min
